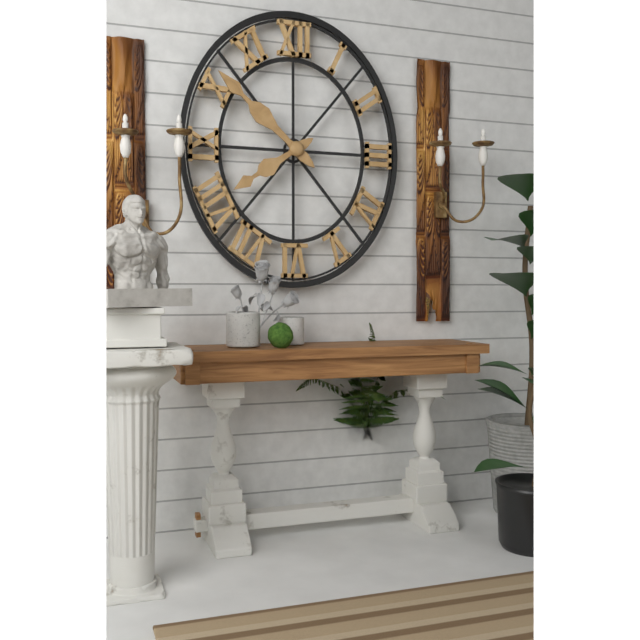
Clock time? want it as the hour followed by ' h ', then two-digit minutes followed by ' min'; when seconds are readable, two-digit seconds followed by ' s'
7 h 52 min
